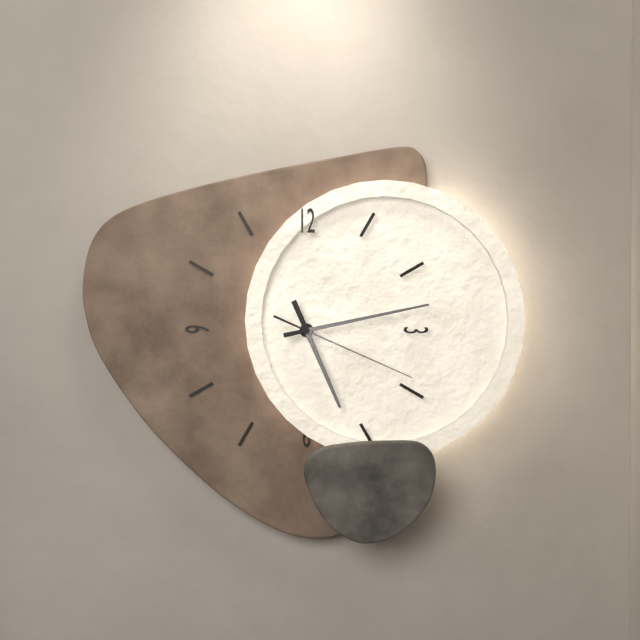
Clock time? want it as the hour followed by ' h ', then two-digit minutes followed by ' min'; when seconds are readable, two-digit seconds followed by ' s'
5 h 13 min 19 s
